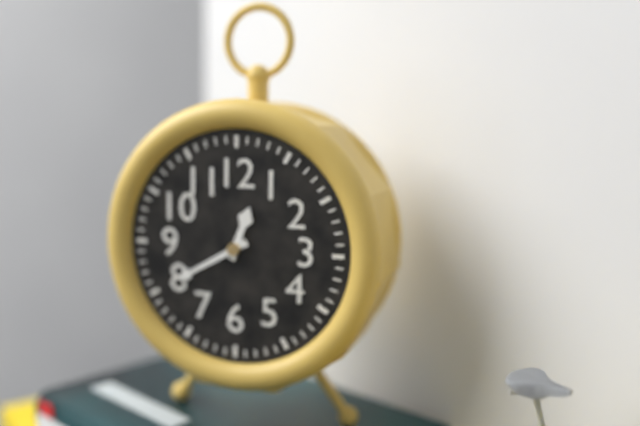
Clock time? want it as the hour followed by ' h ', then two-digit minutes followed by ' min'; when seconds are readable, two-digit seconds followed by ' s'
12 h 40 min
